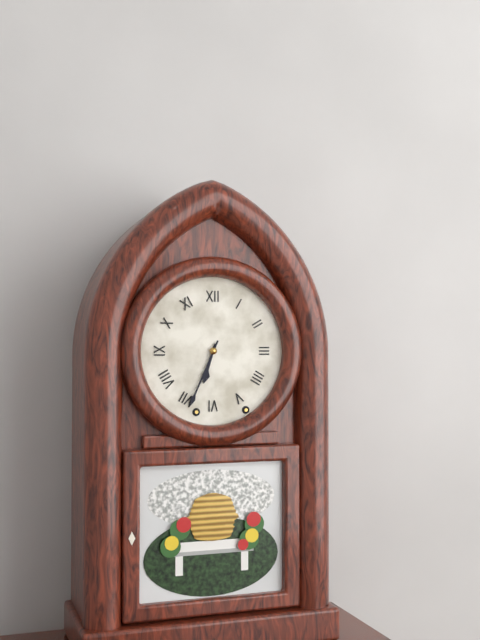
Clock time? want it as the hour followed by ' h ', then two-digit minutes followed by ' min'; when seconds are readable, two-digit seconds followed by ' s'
6 h 34 min
